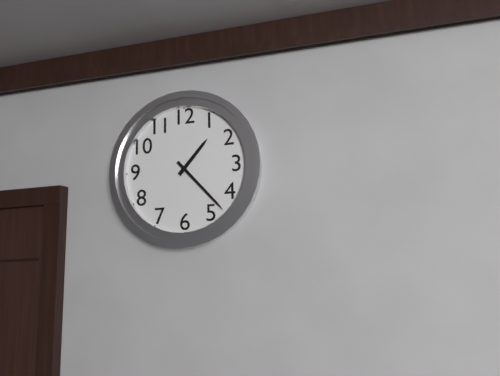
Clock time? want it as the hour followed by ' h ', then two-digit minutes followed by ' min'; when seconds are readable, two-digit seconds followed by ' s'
1 h 23 min
